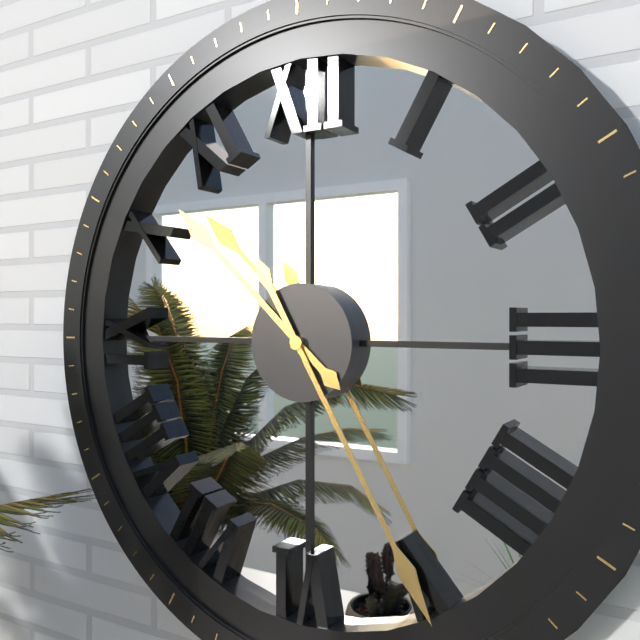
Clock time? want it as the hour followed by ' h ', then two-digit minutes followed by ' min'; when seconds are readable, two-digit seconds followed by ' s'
10 h 25 min
